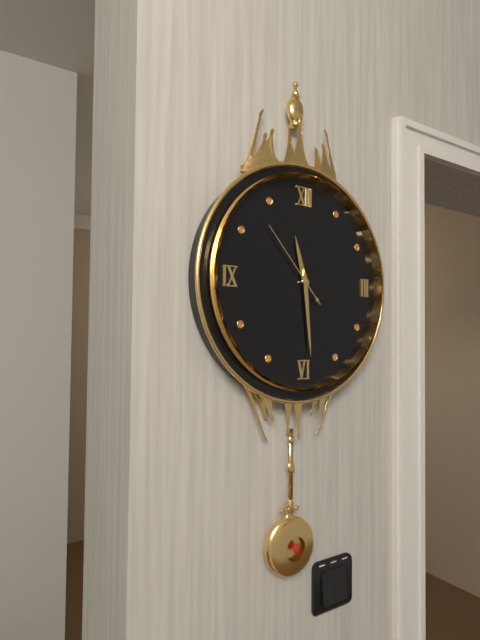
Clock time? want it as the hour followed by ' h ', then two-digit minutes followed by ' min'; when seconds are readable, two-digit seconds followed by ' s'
11 h 29 min 53 s
